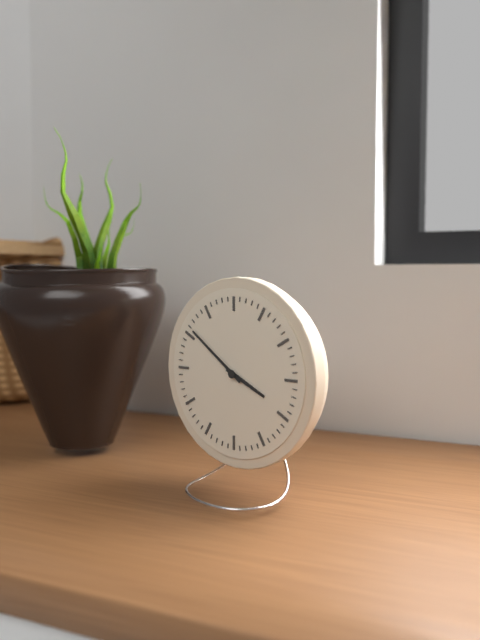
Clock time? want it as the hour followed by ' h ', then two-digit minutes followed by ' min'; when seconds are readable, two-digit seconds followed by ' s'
3 h 51 min
